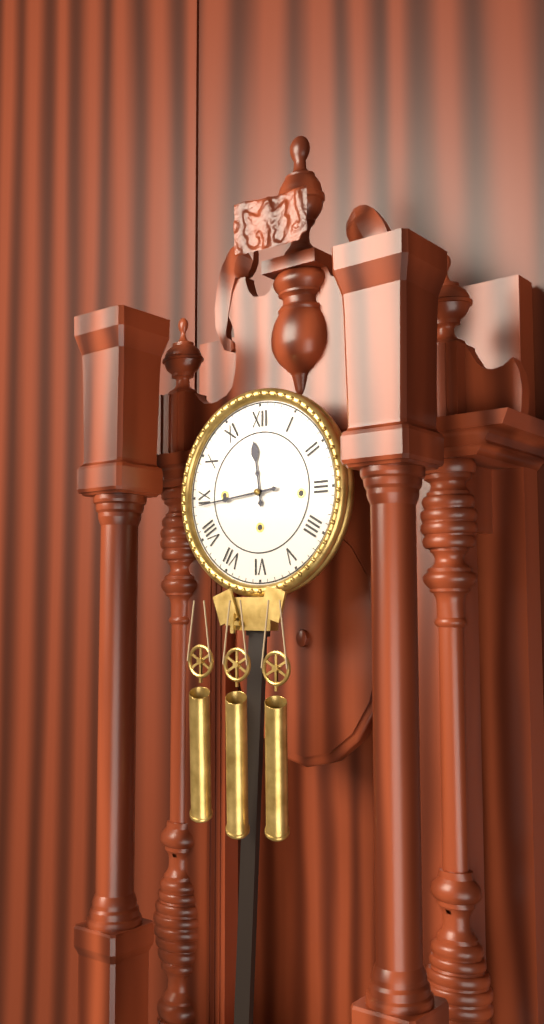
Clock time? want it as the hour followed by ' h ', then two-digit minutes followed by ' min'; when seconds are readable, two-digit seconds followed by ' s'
11 h 44 min
